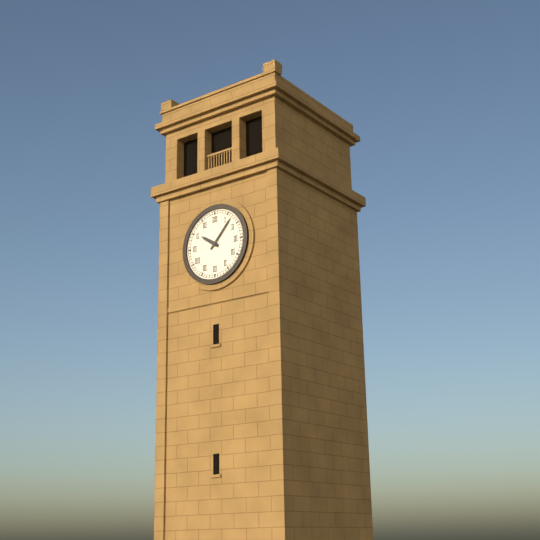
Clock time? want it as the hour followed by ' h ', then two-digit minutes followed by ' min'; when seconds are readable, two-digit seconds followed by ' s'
10 h 07 min
